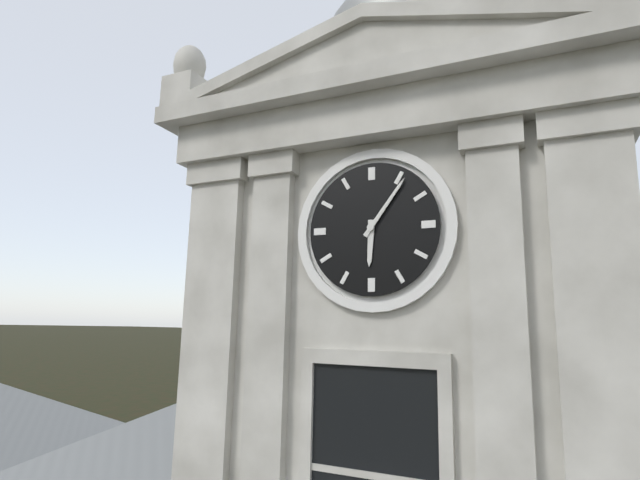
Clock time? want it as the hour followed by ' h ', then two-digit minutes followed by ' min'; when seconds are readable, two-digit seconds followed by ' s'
6 h 06 min
